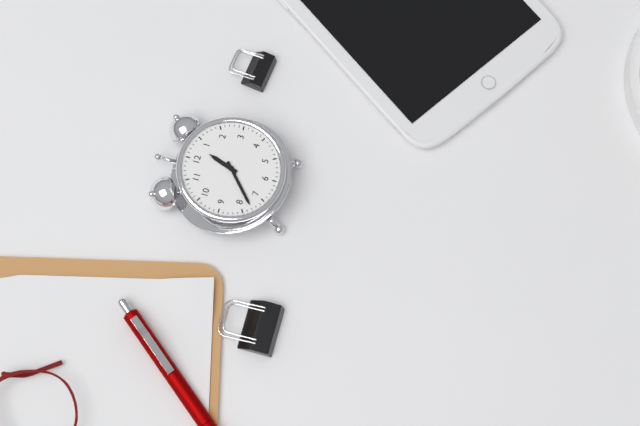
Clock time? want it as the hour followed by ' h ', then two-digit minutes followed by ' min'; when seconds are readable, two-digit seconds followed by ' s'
12 h 38 min
